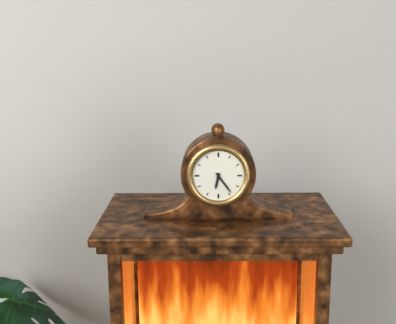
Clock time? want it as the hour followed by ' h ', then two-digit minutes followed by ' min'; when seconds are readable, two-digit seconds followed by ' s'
6 h 24 min
